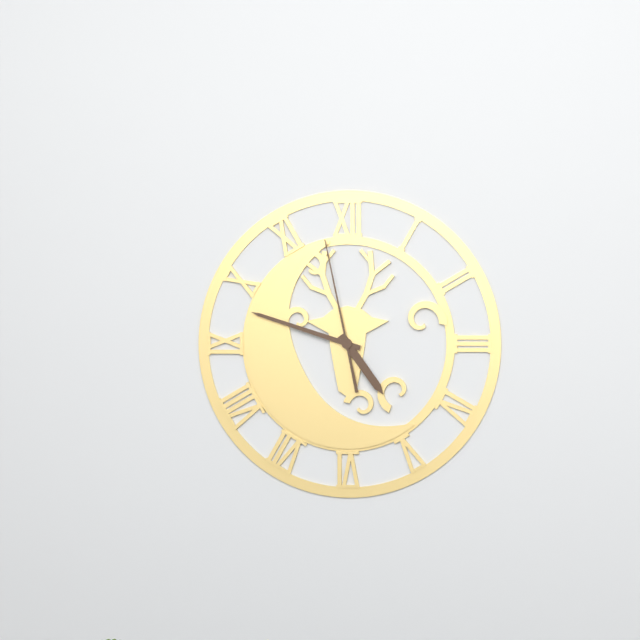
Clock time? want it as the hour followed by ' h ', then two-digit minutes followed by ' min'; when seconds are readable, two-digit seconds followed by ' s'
4 h 48 min 58 s
